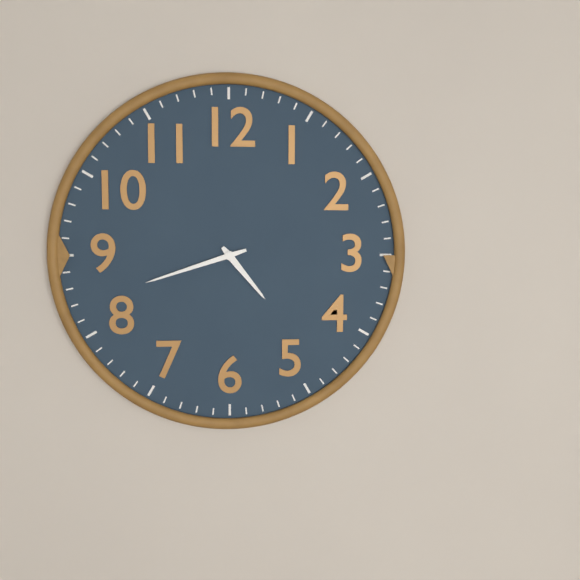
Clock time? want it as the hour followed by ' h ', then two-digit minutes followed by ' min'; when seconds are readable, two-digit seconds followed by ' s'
4 h 42 min
